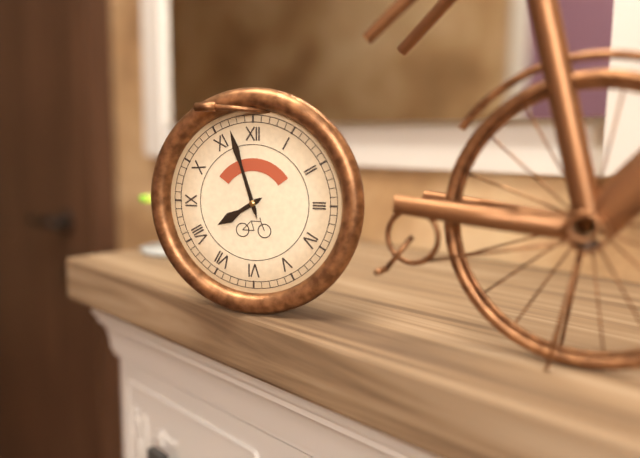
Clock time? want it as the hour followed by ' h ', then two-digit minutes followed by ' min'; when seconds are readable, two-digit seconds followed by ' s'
7 h 57 min
